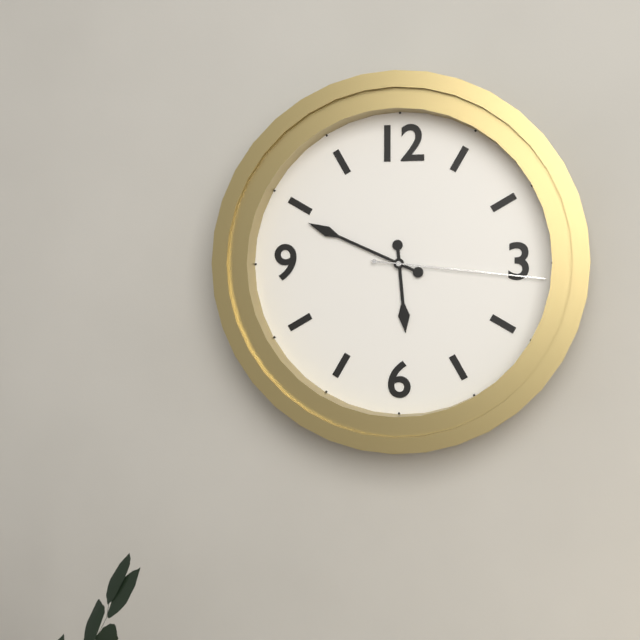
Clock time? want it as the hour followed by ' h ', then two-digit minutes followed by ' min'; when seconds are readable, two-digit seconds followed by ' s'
5 h 49 min 16 s
